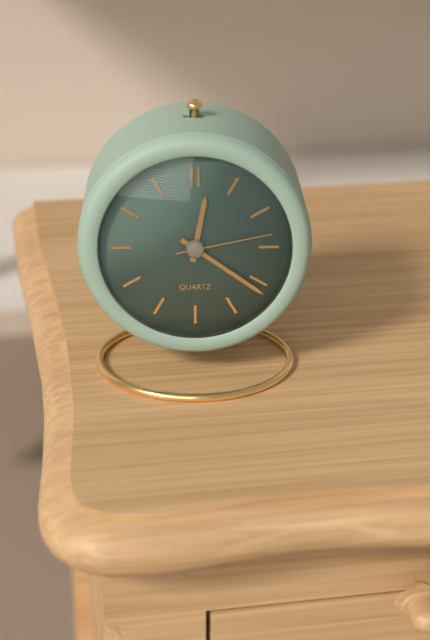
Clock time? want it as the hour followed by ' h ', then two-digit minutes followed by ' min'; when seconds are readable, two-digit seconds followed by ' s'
12 h 21 min 13 s
